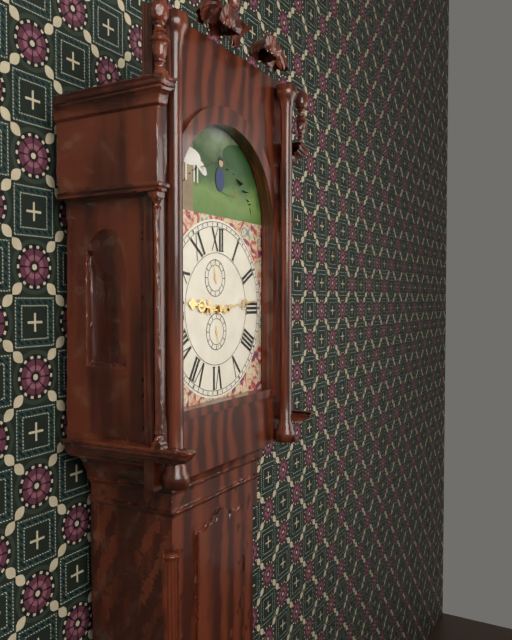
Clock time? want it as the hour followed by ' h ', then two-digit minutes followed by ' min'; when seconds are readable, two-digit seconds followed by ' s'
9 h 14 min
